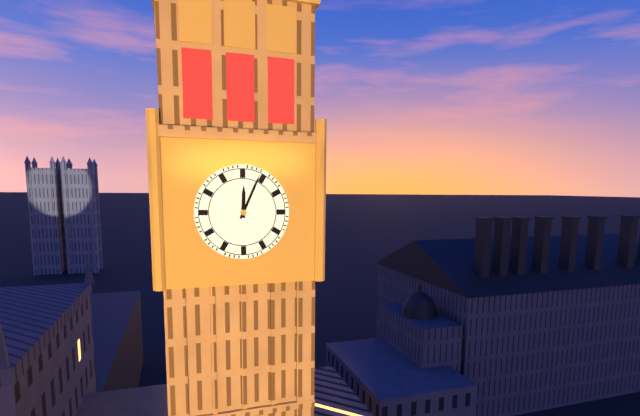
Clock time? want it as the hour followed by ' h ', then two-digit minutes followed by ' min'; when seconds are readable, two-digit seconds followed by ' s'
12 h 04 min
